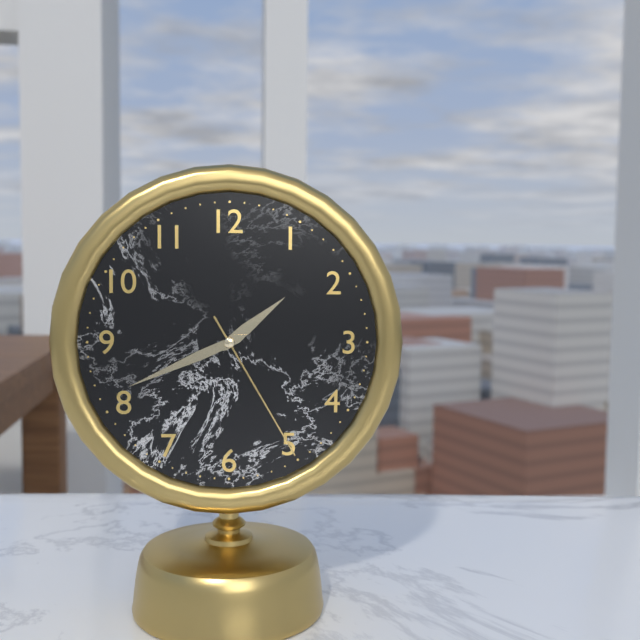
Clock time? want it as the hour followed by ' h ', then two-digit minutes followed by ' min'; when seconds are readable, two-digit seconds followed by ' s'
1 h 41 min 25 s
